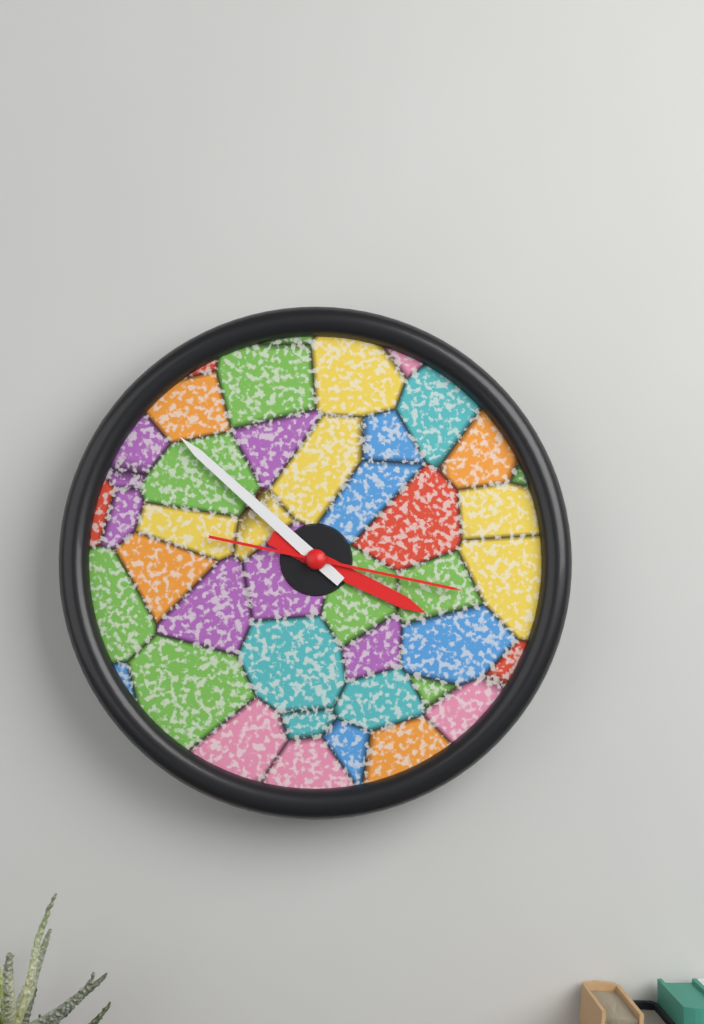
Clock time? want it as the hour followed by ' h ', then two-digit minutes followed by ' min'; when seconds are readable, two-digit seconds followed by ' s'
3 h 52 min 17 s
